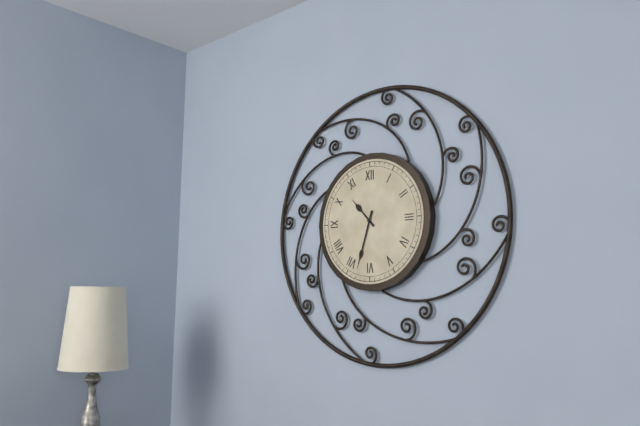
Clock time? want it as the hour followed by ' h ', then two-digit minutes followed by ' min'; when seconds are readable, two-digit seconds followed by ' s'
10 h 33 min
